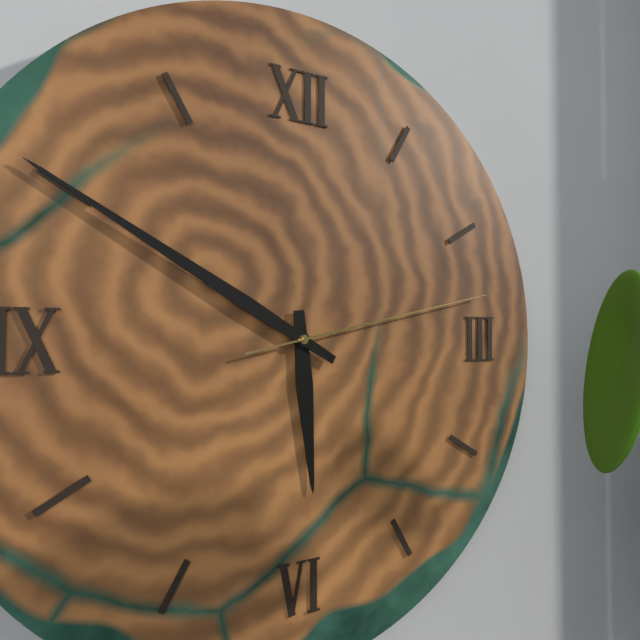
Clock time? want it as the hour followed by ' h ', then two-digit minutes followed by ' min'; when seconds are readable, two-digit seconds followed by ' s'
5 h 50 min 13 s
